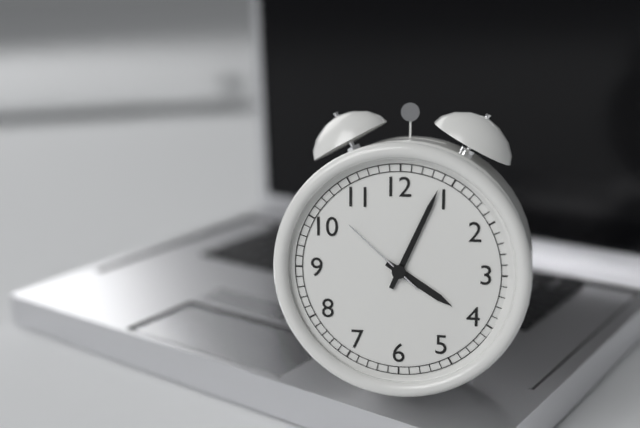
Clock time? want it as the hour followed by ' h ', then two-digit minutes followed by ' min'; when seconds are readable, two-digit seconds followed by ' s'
4 h 04 min 52 s
